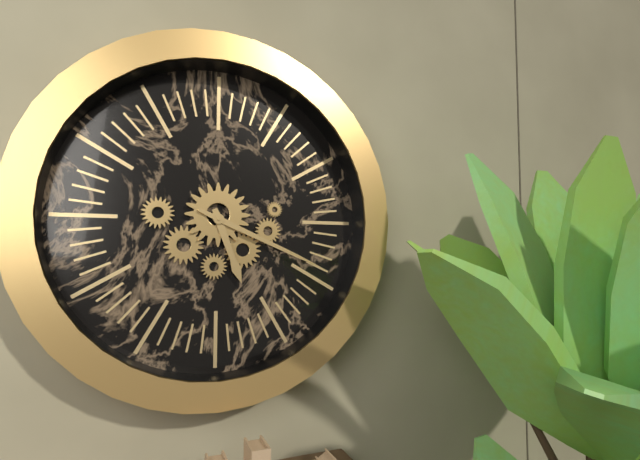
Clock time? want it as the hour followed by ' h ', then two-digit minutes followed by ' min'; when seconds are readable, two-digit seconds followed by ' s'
5 h 19 min
